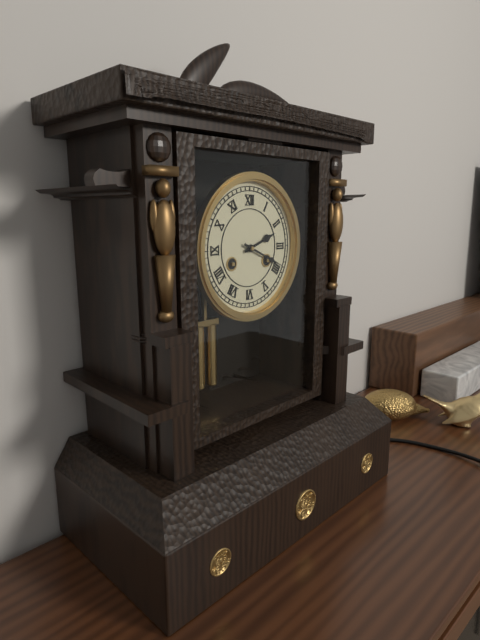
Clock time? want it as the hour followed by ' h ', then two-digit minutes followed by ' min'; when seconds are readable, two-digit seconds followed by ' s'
2 h 19 min
